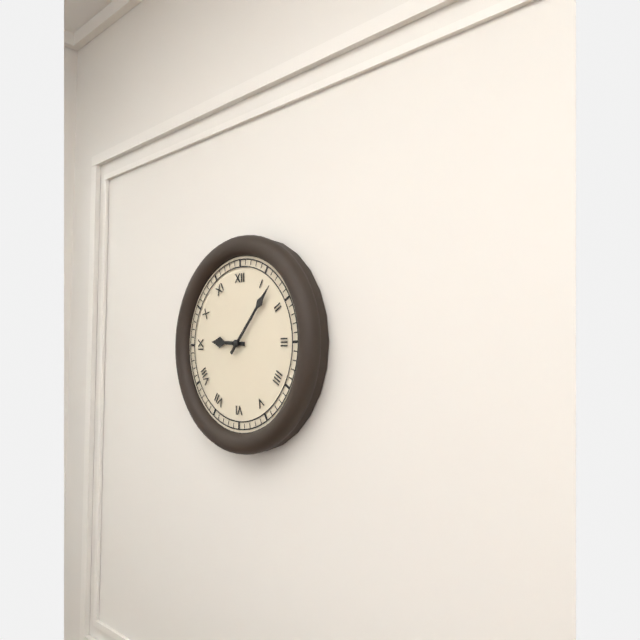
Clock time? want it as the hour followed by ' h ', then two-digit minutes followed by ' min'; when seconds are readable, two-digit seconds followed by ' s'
9 h 07 min
